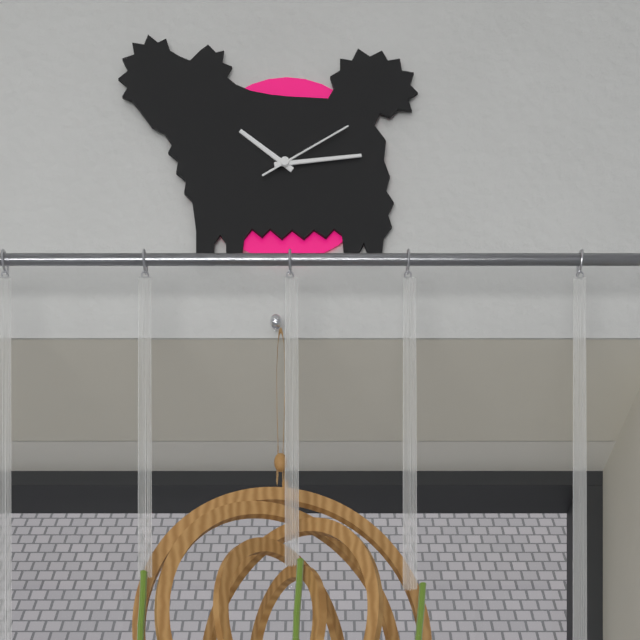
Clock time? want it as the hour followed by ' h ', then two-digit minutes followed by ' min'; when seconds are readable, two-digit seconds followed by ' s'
10 h 14 min 10 s
